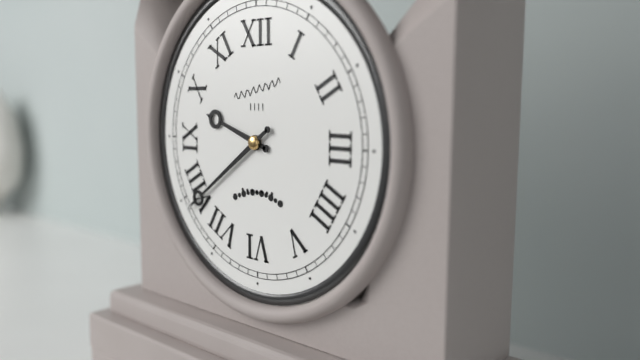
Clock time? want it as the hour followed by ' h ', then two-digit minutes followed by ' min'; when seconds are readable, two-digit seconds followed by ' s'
9 h 39 min
